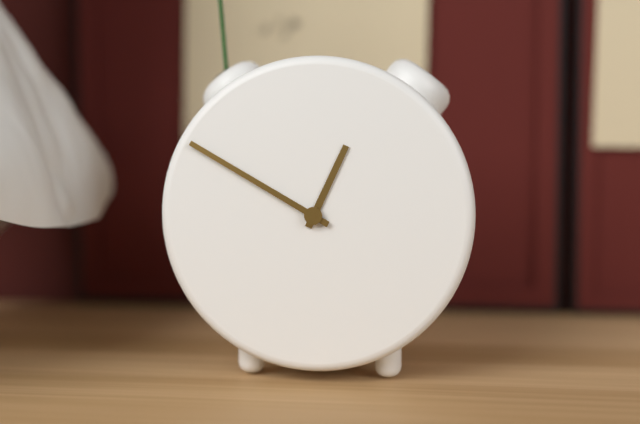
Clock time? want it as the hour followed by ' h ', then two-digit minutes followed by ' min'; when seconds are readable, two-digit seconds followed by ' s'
12 h 50 min
